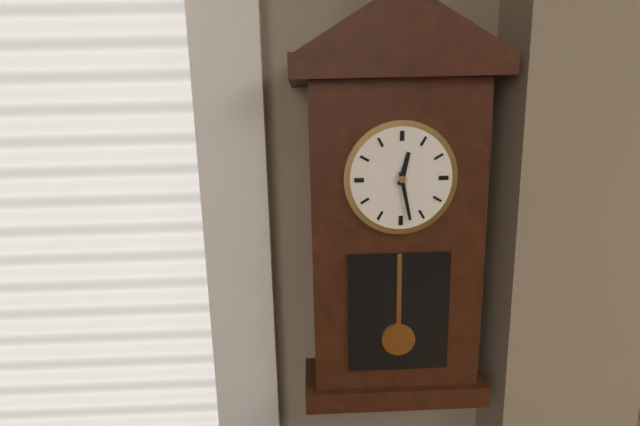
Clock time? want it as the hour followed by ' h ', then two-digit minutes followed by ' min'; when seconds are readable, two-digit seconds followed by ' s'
12 h 28 min
